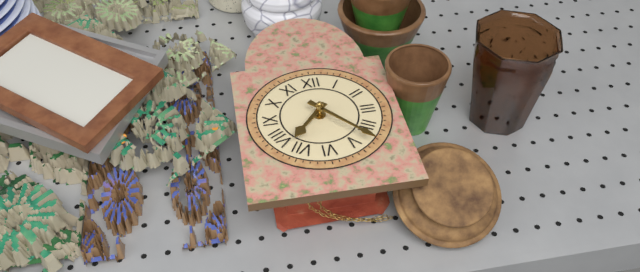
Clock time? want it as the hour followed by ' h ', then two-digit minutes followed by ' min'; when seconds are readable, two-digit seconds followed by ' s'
7 h 23 min
